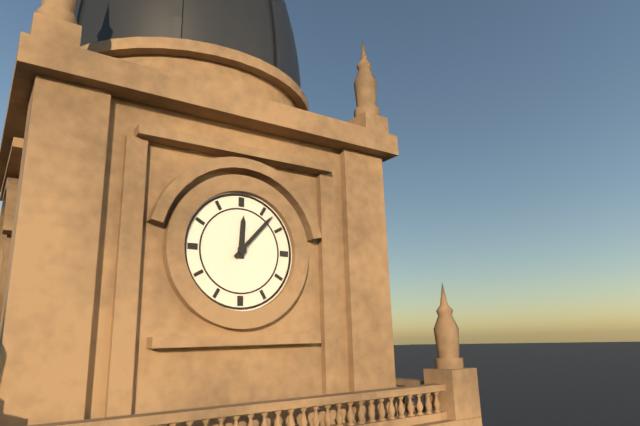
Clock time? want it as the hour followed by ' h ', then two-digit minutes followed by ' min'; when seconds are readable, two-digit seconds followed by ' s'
12 h 07 min
